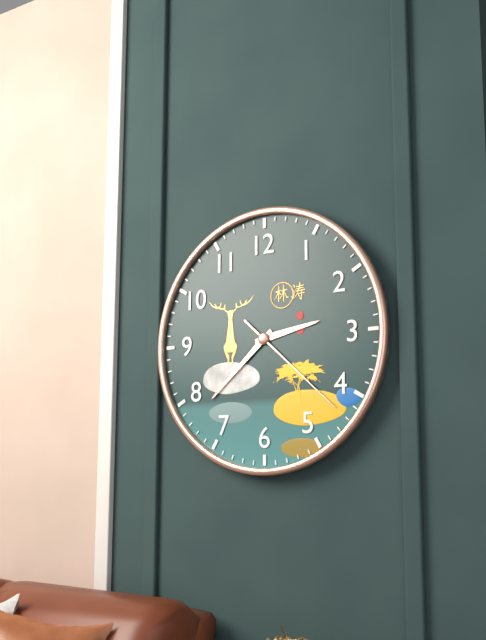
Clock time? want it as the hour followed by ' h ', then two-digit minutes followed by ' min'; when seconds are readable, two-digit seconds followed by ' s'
2 h 38 min 22 s
